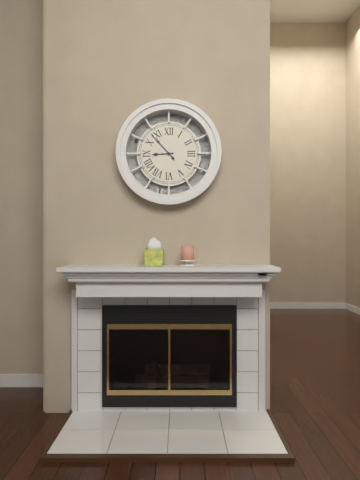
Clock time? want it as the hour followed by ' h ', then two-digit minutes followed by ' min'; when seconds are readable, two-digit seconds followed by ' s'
8 h 53 min
